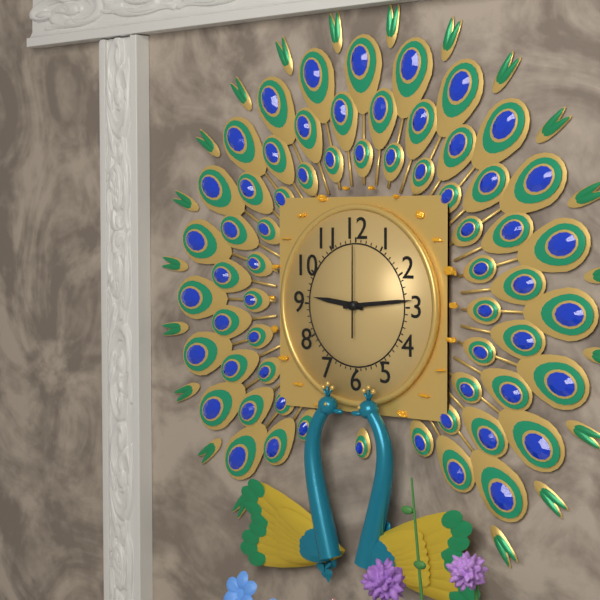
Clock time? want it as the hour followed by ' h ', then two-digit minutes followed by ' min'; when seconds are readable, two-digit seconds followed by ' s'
9 h 14 min 00 s
